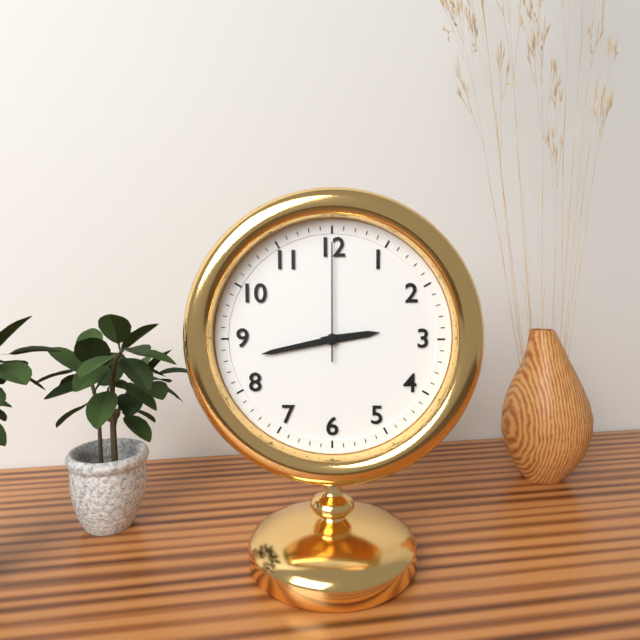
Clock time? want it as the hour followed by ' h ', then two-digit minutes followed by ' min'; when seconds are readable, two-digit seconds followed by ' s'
2 h 43 min 00 s
